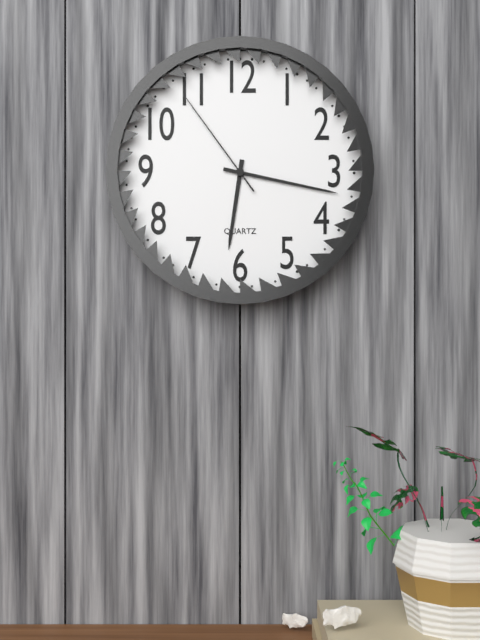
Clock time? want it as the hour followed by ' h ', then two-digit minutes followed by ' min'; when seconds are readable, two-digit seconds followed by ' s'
6 h 17 min 54 s
